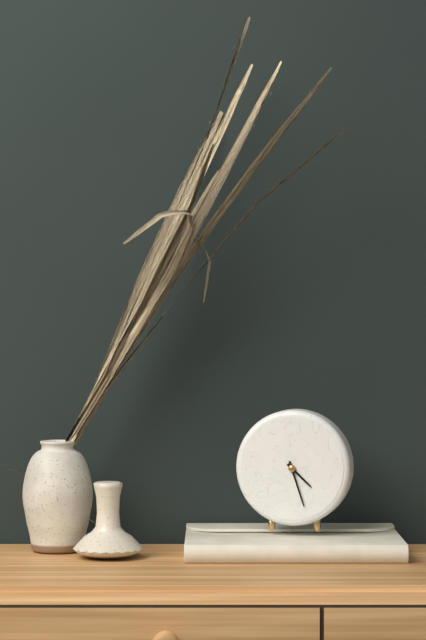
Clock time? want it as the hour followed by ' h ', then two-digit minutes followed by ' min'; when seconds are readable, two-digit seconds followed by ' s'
4 h 27 min
